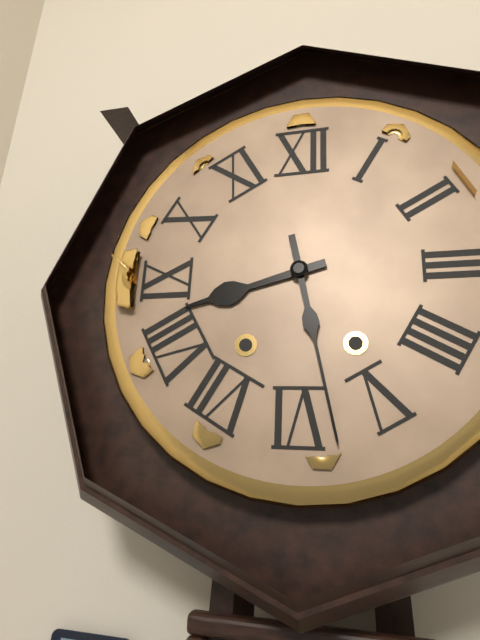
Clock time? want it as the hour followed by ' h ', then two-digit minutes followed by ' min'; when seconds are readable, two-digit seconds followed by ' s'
8 h 28 min
